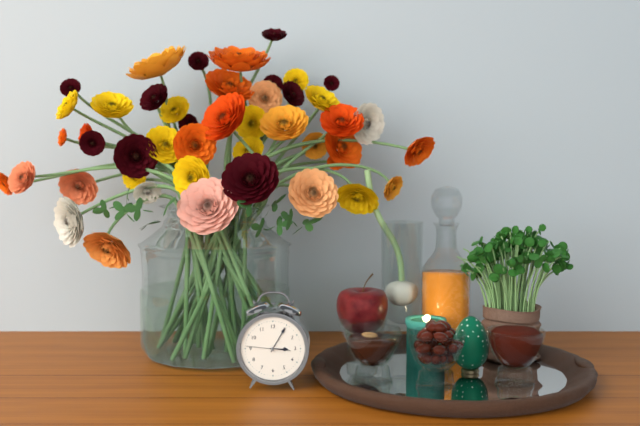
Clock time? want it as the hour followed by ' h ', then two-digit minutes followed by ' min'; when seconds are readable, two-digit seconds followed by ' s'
3 h 05 min
